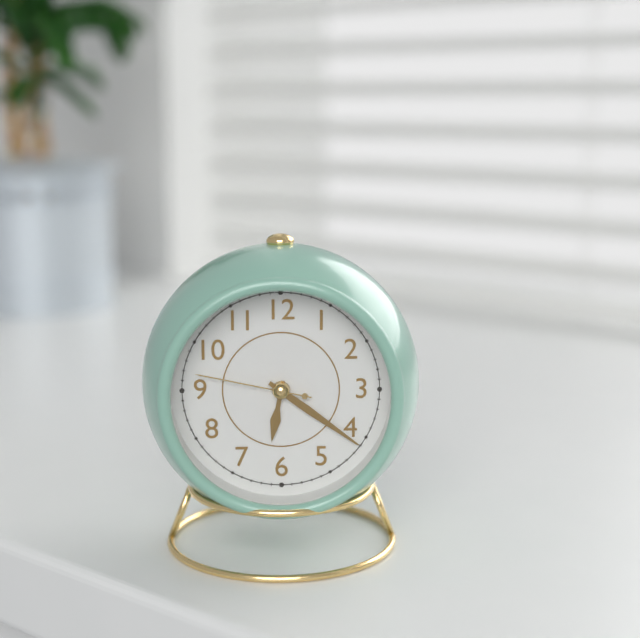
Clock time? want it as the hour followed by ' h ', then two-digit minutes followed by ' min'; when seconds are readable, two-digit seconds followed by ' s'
6 h 21 min 47 s
